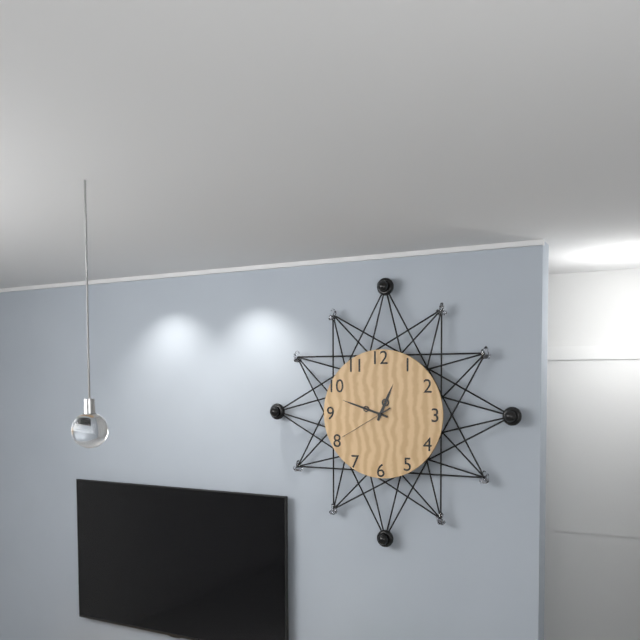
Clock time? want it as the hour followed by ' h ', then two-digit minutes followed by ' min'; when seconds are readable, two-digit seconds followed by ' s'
12 h 48 min 40 s
